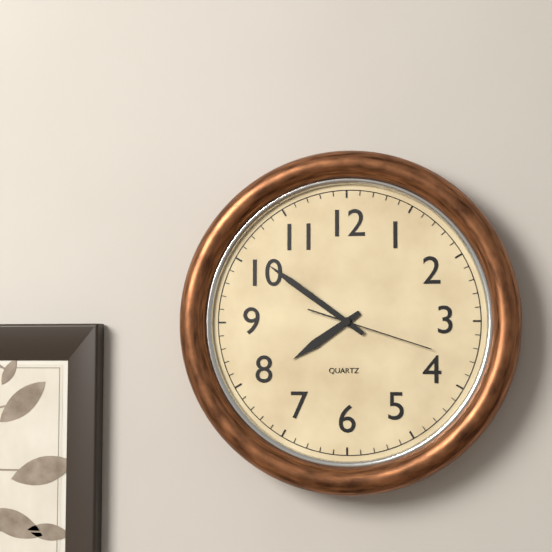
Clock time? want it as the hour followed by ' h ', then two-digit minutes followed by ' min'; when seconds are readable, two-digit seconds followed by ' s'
7 h 51 min 18 s
